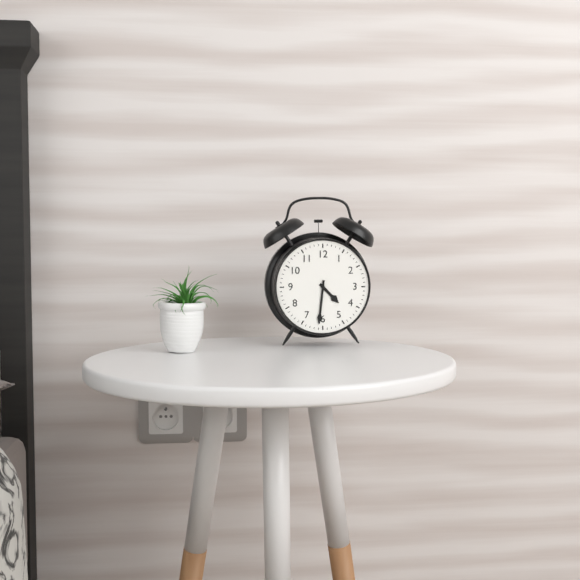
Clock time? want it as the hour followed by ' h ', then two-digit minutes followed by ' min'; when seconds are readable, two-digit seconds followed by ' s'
4 h 31 min
